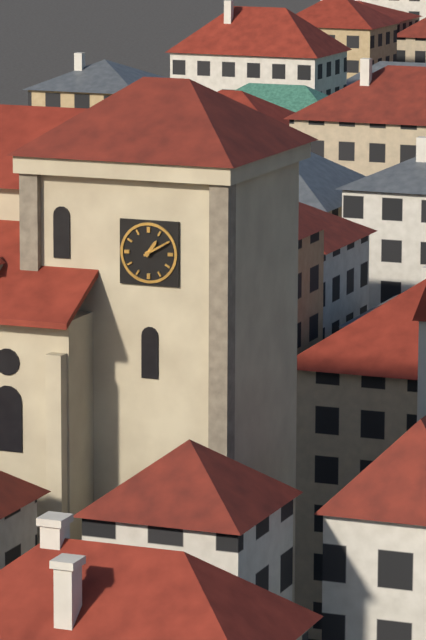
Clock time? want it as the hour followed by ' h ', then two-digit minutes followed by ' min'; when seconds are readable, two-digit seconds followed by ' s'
1 h 10 min
